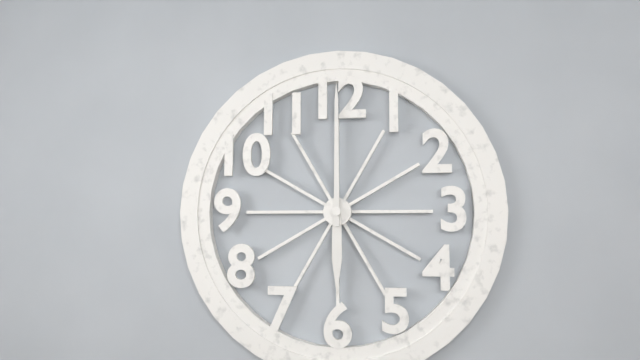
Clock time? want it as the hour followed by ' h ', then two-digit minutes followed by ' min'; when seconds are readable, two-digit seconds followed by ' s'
6 h 00 min
